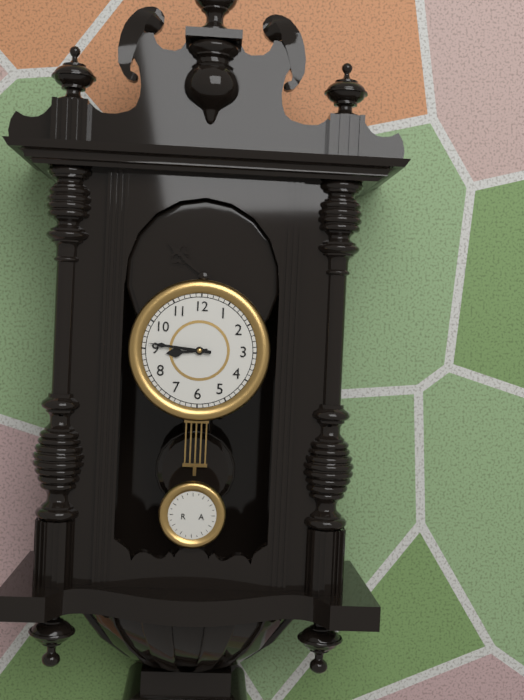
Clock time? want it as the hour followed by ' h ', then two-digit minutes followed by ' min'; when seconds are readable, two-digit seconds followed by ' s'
8 h 46 min
